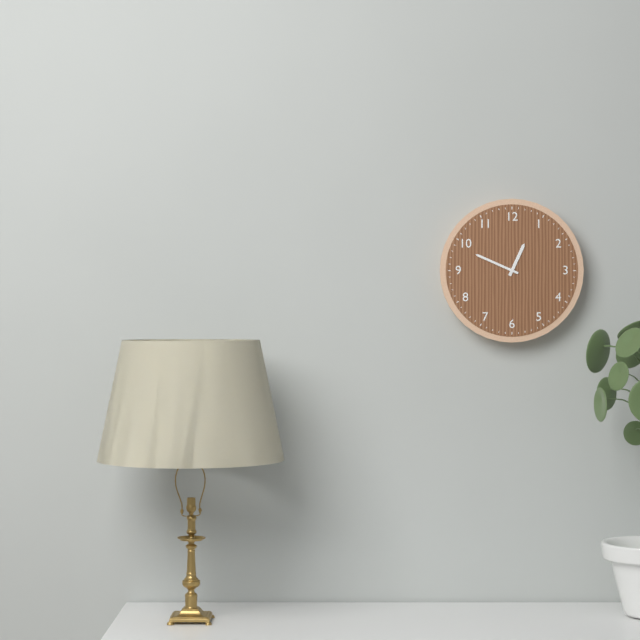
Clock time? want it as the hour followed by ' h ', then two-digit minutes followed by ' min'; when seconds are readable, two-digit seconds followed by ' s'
12 h 49 min
